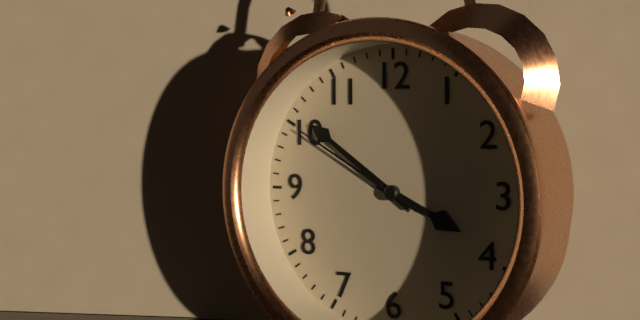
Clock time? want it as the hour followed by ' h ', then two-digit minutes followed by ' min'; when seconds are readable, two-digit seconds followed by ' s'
3 h 51 min 50 s
